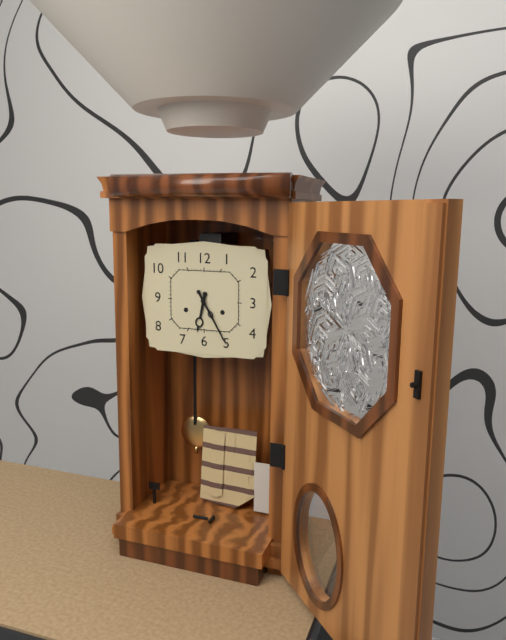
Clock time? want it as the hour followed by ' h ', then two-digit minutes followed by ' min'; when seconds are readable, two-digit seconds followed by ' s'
6 h 25 min
